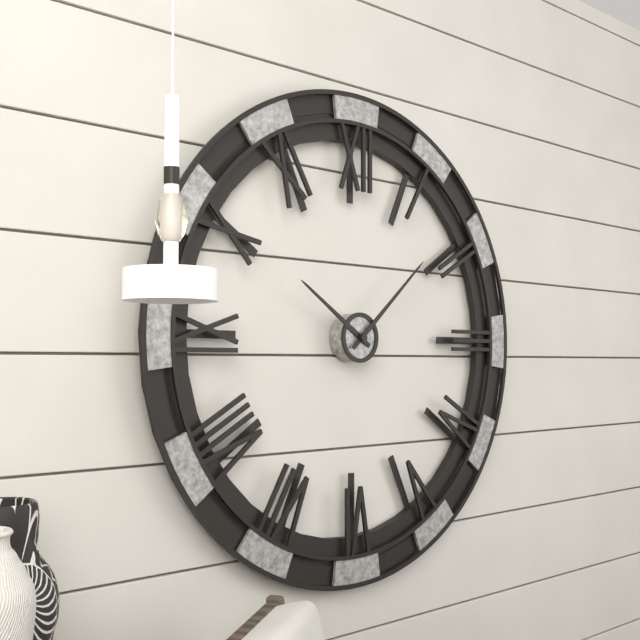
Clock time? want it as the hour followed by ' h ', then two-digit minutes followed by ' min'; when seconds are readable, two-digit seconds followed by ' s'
10 h 08 min
